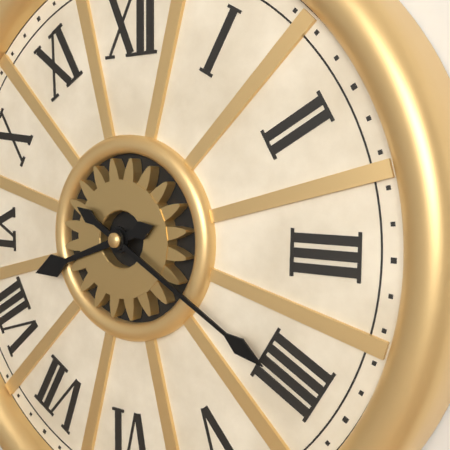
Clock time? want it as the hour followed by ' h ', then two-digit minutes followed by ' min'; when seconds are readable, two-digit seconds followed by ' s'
8 h 20 min
